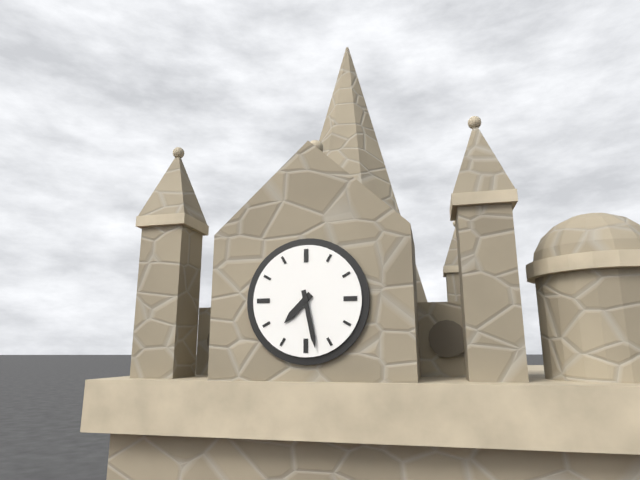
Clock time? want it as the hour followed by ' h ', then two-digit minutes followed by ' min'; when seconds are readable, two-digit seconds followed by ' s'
7 h 28 min
